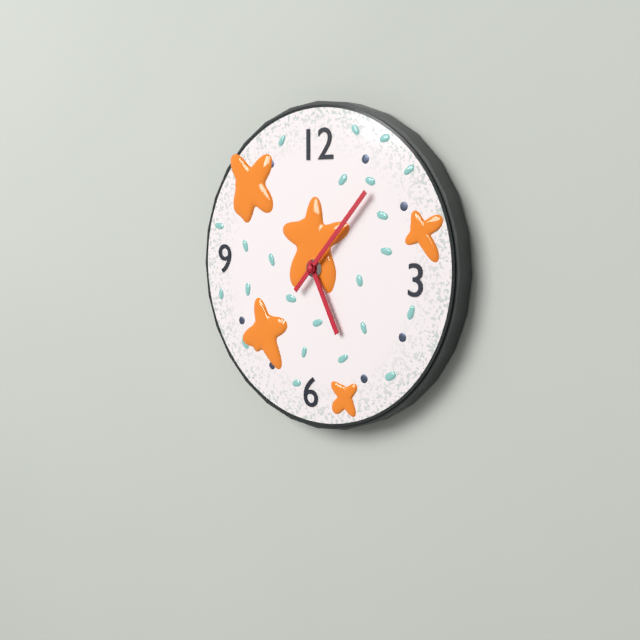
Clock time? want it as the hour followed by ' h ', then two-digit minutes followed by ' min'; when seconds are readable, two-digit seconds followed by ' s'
5 h 07 min
